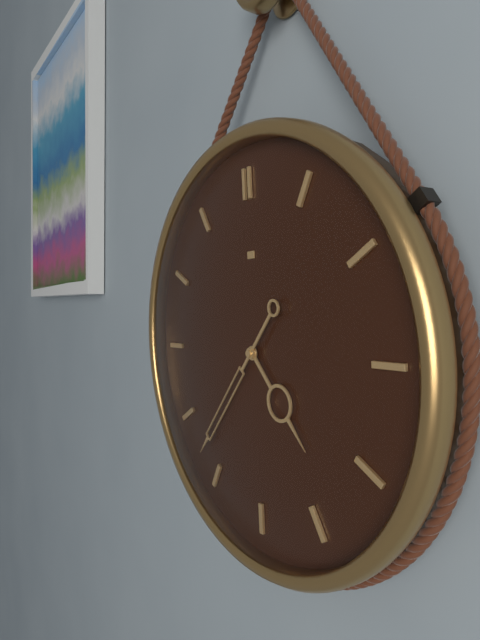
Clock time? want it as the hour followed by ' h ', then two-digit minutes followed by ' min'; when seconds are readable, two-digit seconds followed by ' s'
4 h 37 min
